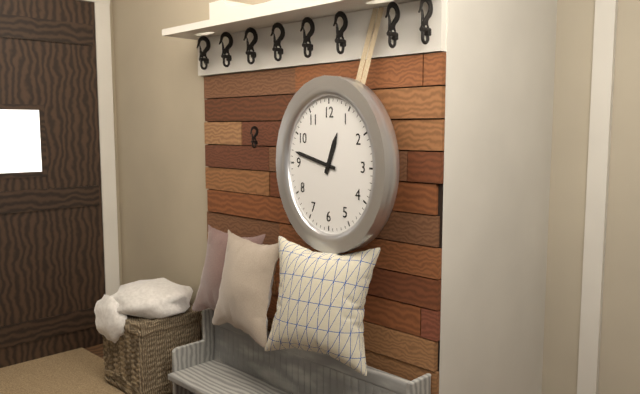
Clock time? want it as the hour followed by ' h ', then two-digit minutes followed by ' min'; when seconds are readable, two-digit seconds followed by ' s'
12 h 47 min
